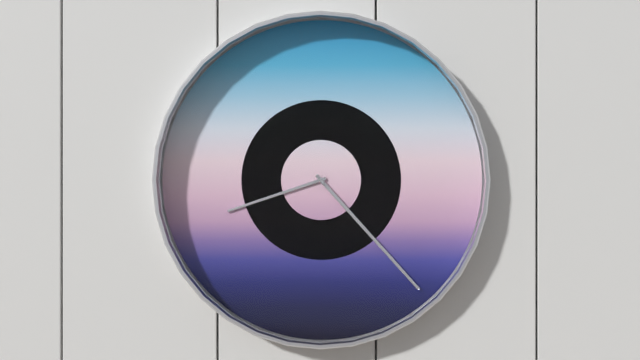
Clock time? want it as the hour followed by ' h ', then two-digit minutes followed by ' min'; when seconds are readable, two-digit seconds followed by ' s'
8 h 23 min
